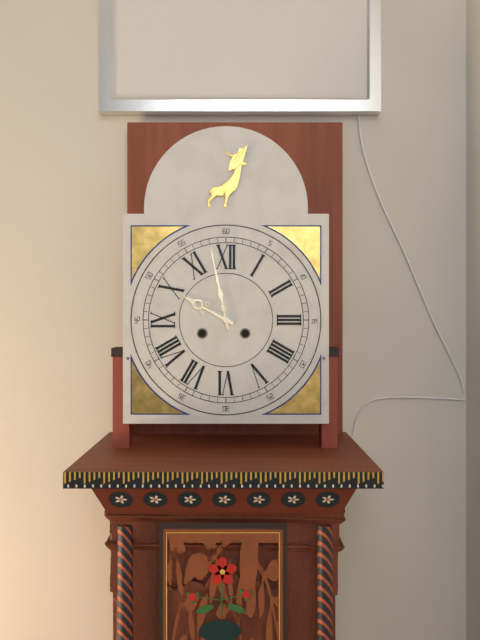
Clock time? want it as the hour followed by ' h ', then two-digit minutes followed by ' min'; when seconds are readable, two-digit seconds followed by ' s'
9 h 58 min
